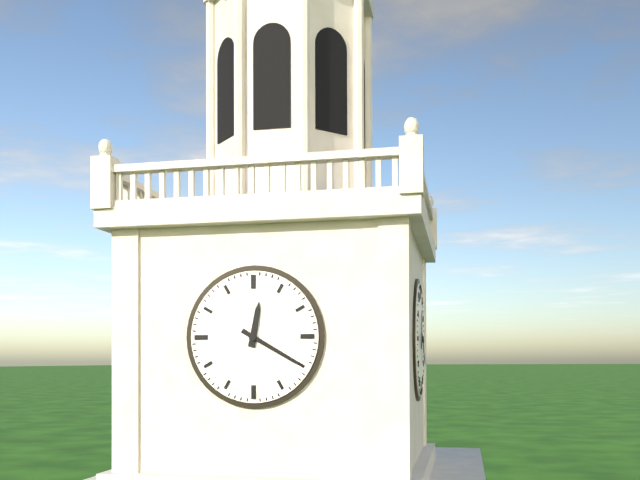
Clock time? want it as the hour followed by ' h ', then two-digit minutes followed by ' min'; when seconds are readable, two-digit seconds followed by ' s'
12 h 20 min
